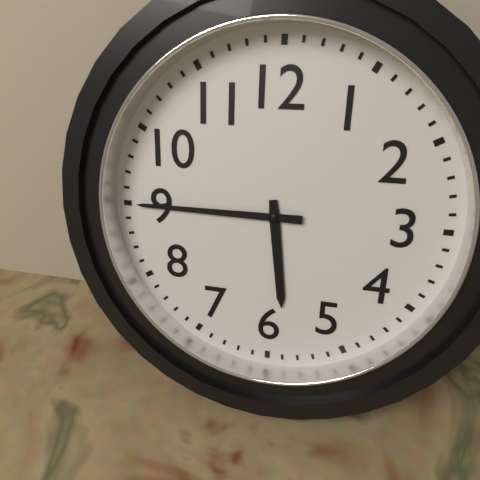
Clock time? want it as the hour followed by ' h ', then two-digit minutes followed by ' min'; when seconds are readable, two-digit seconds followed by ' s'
5 h 45 min
